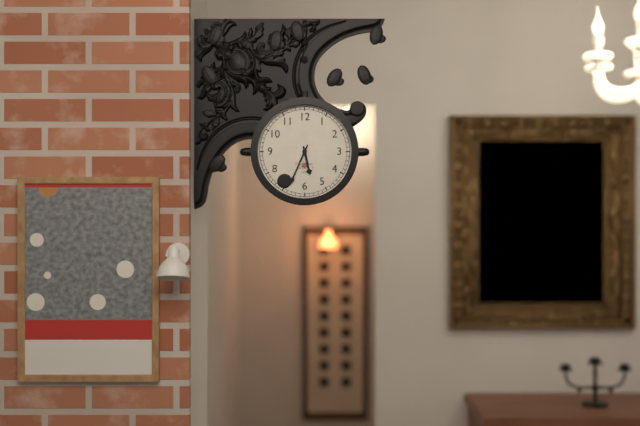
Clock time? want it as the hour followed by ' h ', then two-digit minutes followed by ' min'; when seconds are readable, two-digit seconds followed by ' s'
5 h 34 min
